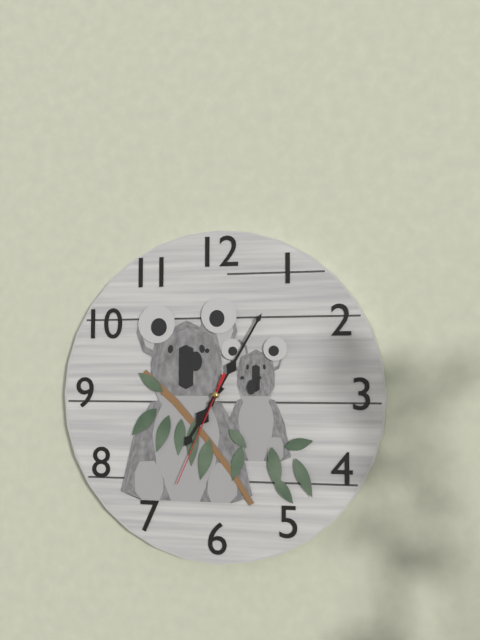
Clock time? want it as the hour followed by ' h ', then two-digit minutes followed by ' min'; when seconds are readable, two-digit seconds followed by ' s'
7 h 05 min 34 s
